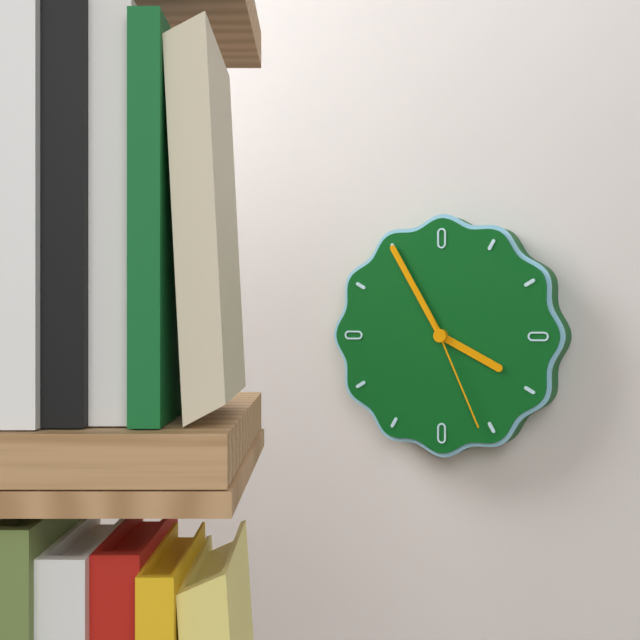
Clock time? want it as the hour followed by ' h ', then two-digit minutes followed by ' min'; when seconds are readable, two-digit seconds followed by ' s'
3 h 55 min 26 s
